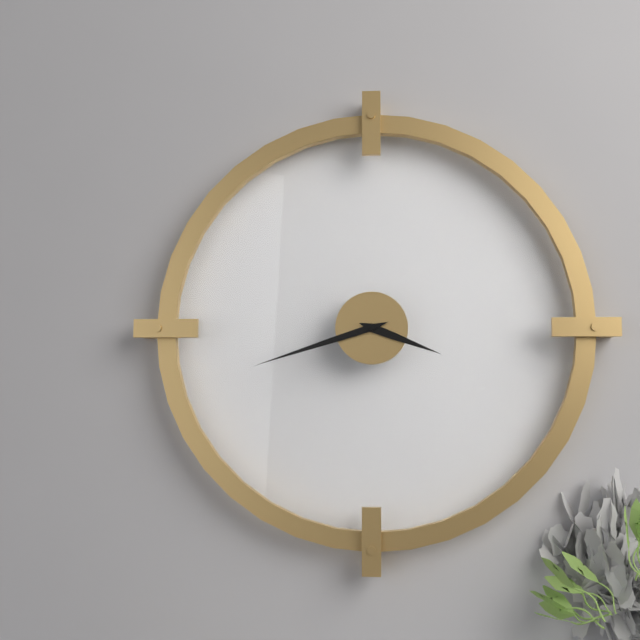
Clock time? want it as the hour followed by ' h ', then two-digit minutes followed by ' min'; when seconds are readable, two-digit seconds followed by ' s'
3 h 42 min
